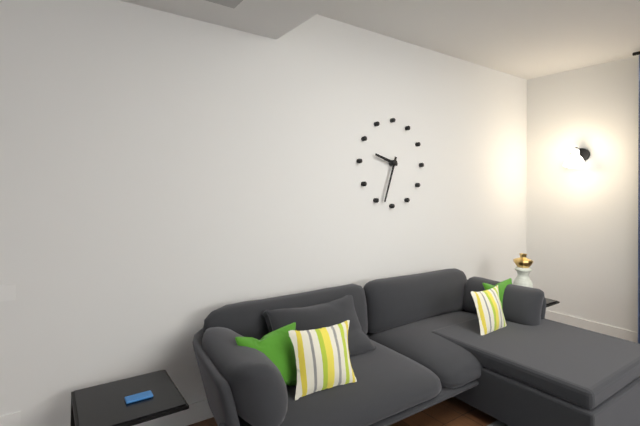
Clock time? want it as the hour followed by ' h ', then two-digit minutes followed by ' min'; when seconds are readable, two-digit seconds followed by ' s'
9 h 33 min
